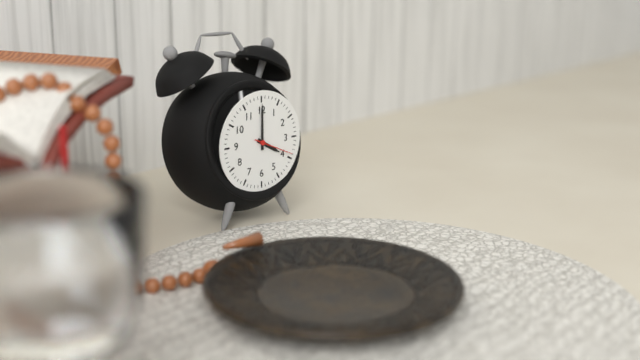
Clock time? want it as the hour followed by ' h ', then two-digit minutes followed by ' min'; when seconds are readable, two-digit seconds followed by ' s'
4 h 00 min
